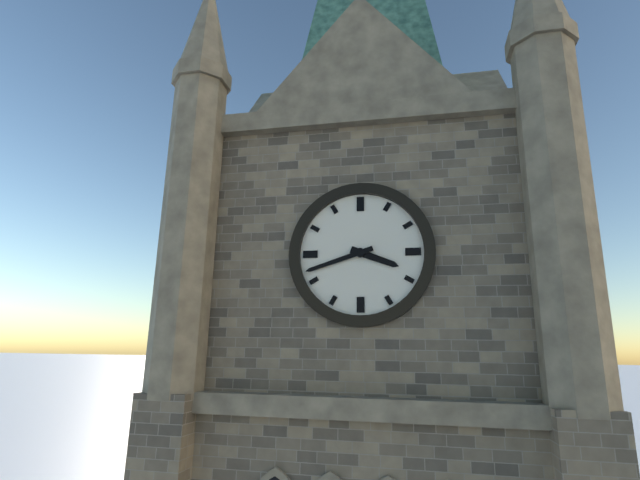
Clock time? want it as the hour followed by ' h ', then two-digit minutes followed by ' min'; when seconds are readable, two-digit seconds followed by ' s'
3 h 42 min
